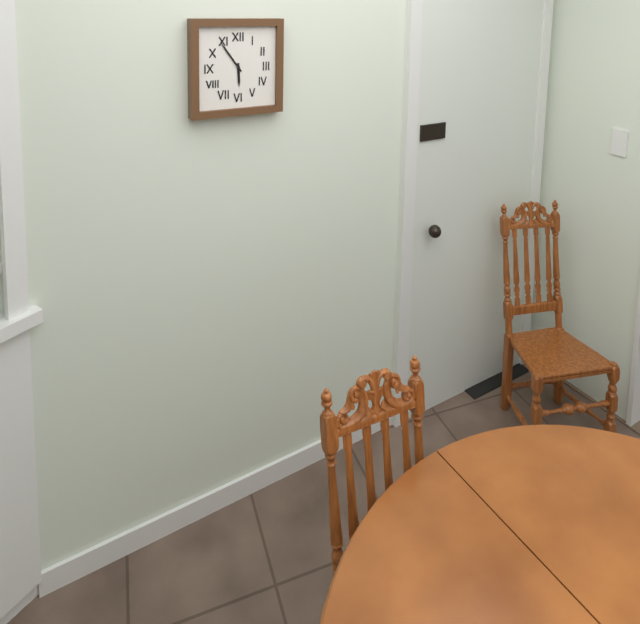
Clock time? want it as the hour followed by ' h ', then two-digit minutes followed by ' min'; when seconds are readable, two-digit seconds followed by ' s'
5 h 54 min
